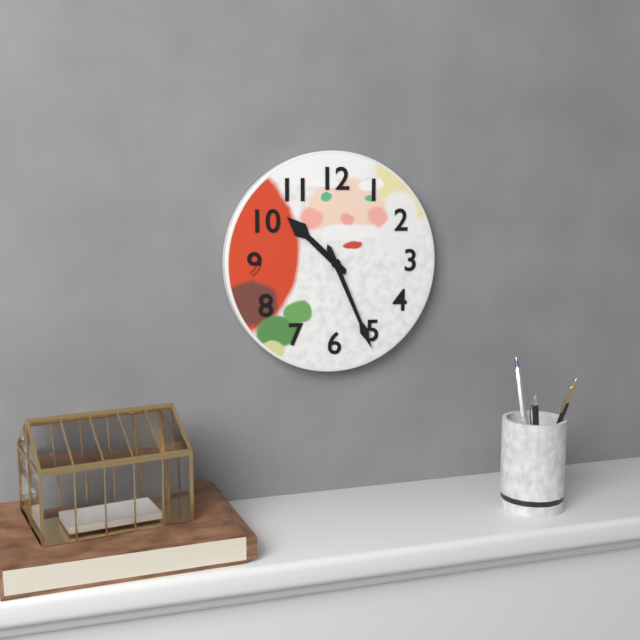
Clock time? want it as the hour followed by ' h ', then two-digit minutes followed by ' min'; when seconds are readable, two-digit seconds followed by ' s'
10 h 26 min
